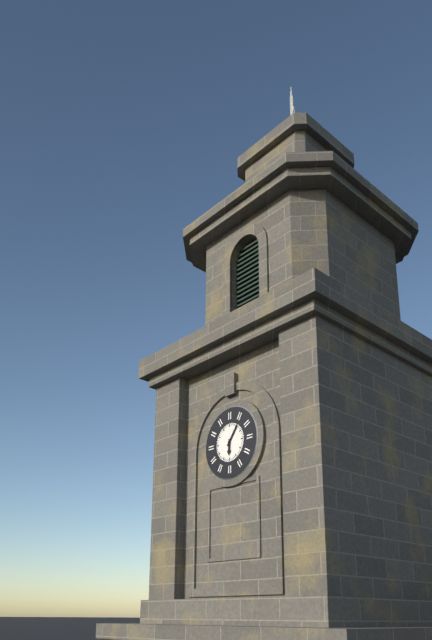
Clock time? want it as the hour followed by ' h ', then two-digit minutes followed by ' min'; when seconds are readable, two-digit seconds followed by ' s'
6 h 06 min
